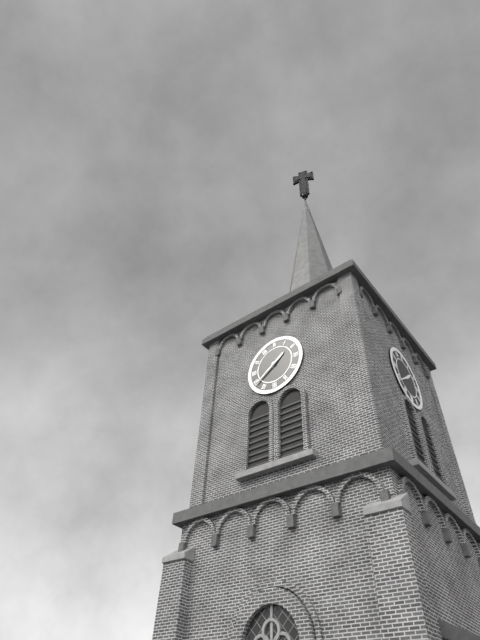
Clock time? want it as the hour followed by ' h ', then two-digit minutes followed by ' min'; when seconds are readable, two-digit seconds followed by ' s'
1 h 39 min
